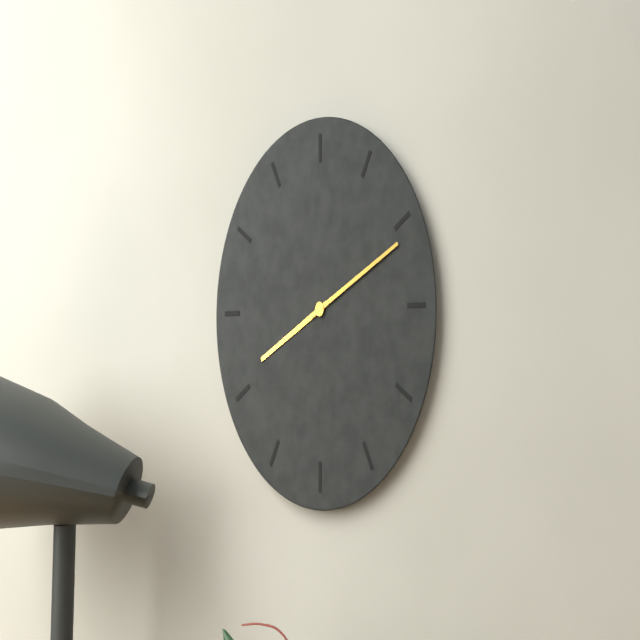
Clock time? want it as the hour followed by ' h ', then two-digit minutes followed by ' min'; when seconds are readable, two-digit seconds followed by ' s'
8 h 11 min
